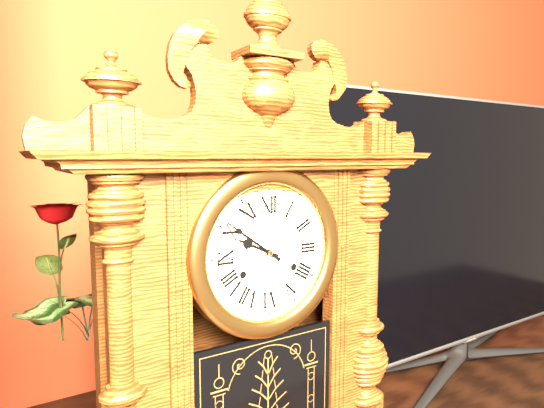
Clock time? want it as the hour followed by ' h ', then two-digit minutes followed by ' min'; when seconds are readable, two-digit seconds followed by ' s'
9 h 51 min
